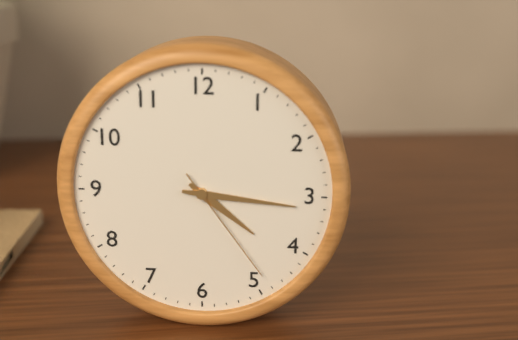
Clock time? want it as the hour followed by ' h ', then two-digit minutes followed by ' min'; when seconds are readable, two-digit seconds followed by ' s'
4 h 16 min 24 s
